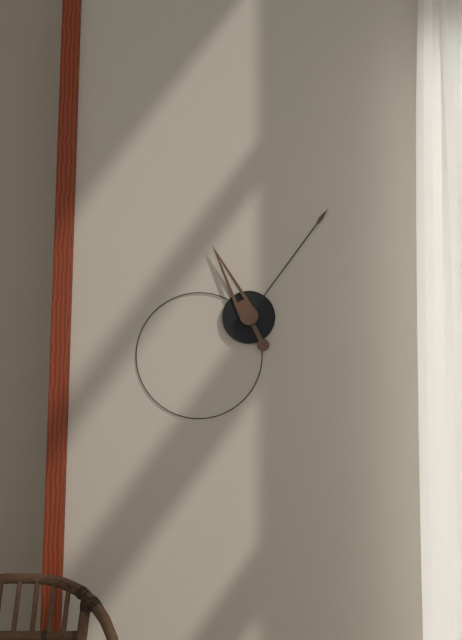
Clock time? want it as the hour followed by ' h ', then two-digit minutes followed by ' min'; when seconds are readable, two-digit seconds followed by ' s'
11 h 06 min
